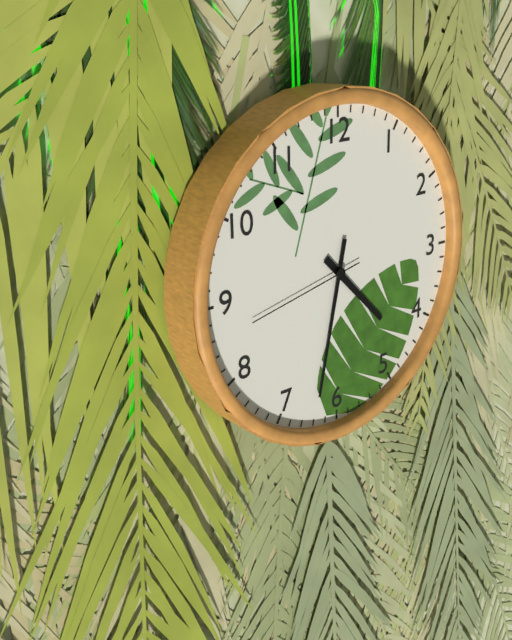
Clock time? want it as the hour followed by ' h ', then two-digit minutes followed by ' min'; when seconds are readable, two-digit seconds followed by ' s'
4 h 32 min 43 s
